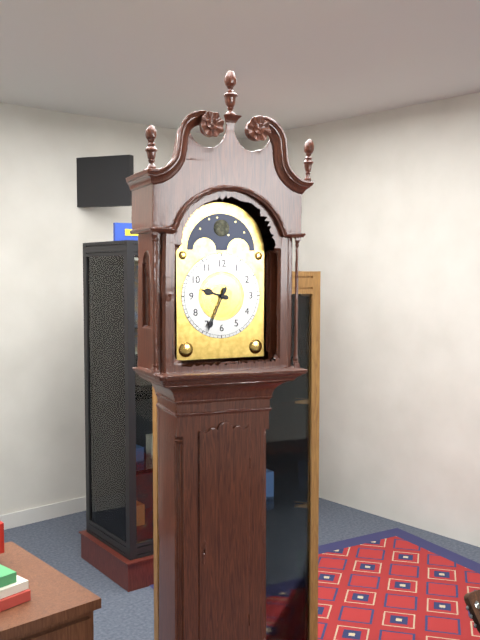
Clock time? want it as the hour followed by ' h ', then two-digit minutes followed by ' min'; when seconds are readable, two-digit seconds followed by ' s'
9 h 34 min
